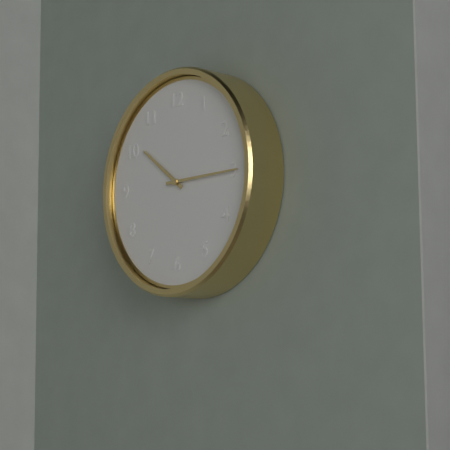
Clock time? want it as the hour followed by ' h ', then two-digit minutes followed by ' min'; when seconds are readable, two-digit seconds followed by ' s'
10 h 15 min
